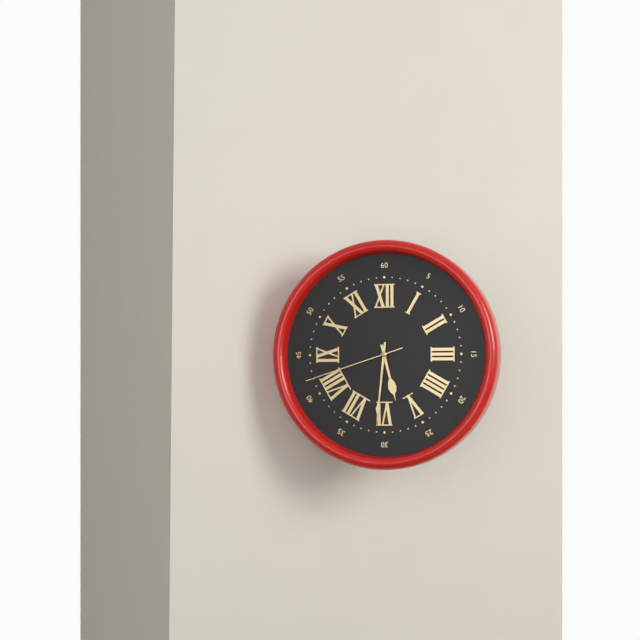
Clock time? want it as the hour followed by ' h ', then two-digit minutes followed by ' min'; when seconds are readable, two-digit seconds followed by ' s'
5 h 31 min 42 s
